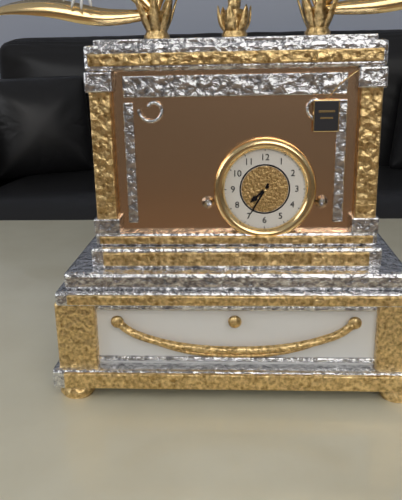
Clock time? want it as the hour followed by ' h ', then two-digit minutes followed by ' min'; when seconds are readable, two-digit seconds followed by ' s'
7 h 35 min
